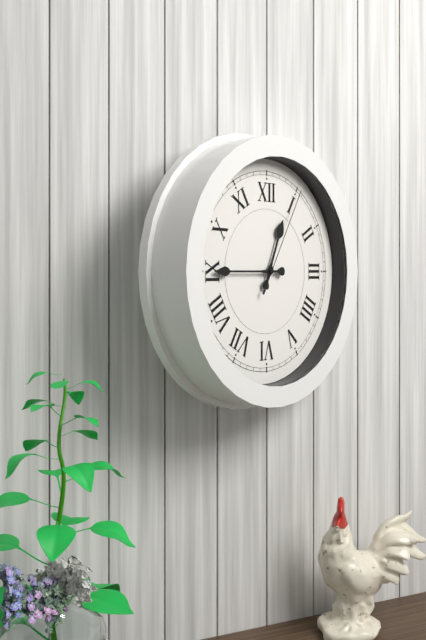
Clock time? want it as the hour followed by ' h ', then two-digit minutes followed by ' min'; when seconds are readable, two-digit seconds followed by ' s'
12 h 45 min 05 s
